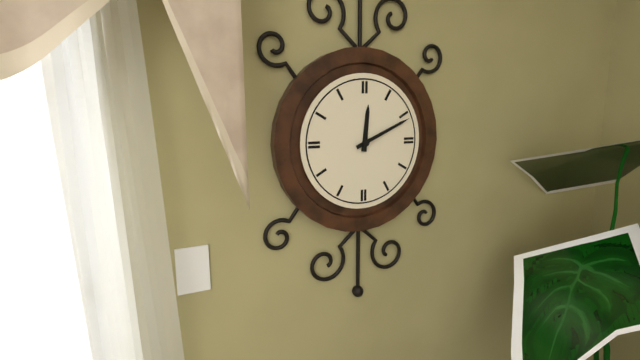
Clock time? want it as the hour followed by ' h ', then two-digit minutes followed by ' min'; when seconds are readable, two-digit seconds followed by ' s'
12 h 11 min
